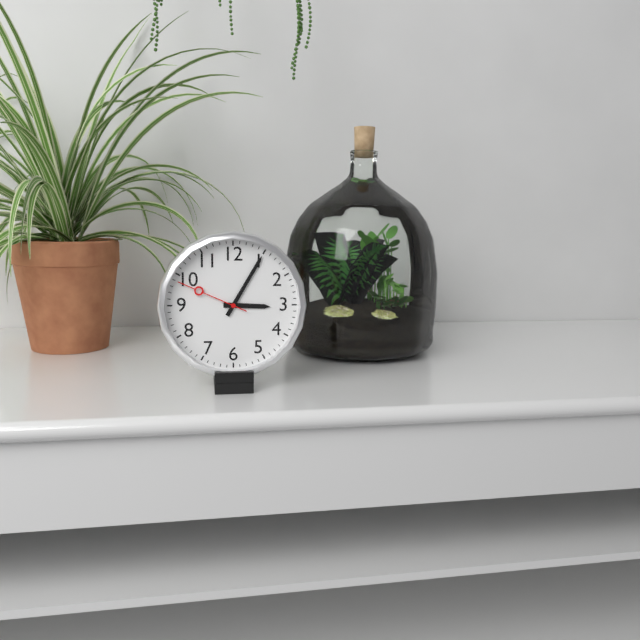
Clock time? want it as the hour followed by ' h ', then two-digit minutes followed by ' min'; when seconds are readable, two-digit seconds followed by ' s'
3 h 05 min 49 s
